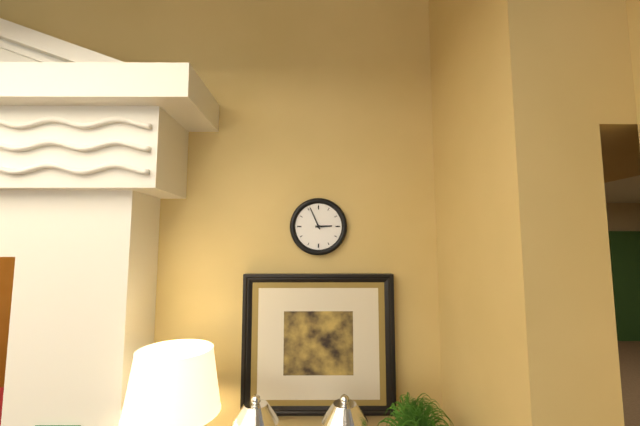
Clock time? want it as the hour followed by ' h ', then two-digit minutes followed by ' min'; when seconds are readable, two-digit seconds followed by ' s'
2 h 56 min
